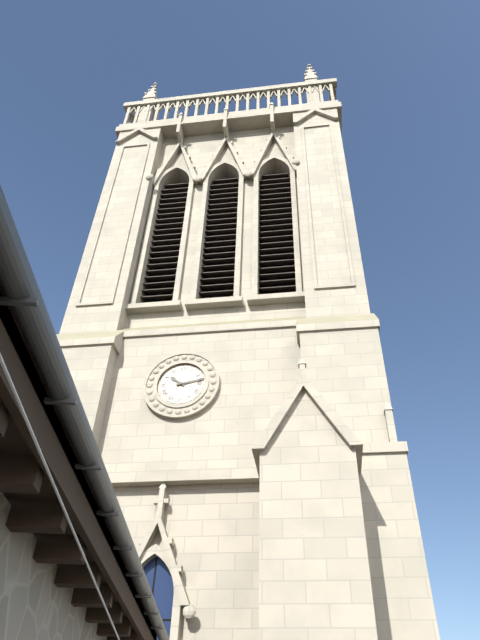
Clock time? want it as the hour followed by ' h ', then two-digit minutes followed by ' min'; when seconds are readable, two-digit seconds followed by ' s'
10 h 13 min
